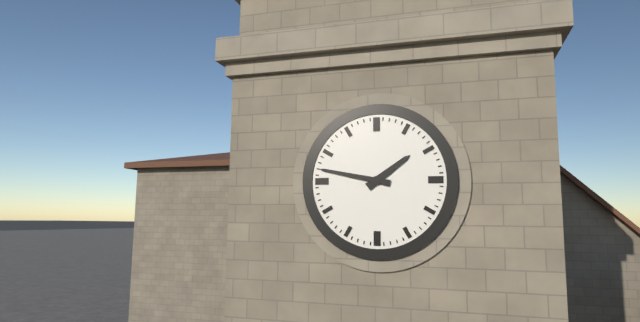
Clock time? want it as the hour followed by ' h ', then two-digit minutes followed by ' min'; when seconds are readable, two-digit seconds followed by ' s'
1 h 47 min
